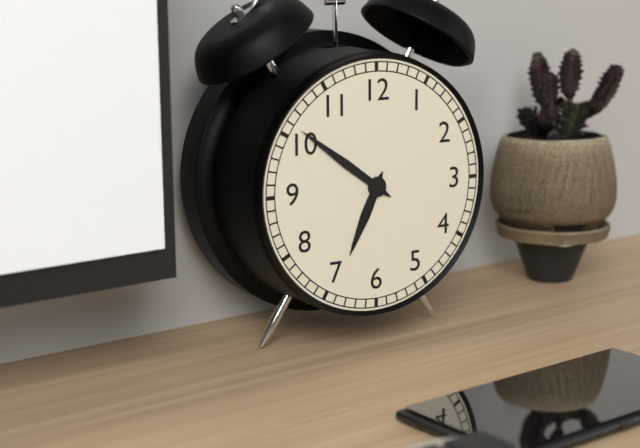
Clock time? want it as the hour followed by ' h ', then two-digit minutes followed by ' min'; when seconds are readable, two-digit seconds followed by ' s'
6 h 51 min
